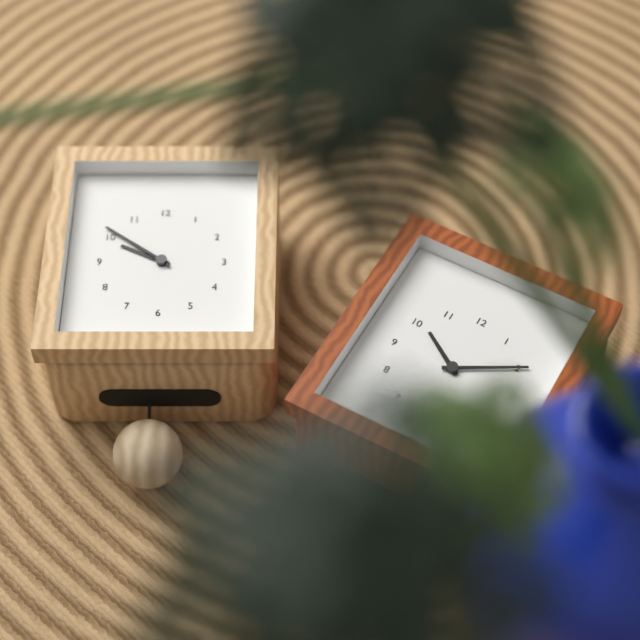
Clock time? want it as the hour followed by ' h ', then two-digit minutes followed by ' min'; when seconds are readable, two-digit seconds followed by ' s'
9 h 51 min
